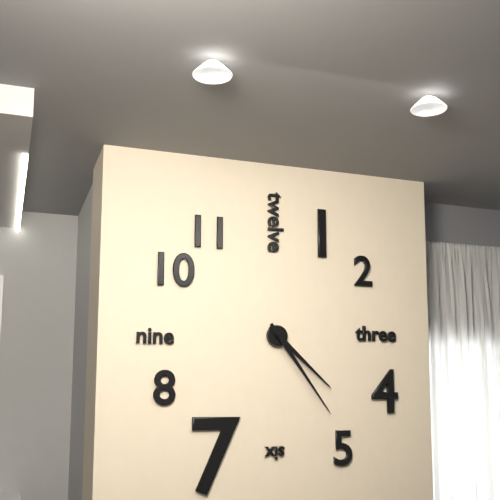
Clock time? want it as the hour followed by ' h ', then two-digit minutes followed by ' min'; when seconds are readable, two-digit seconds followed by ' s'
4 h 24 min
